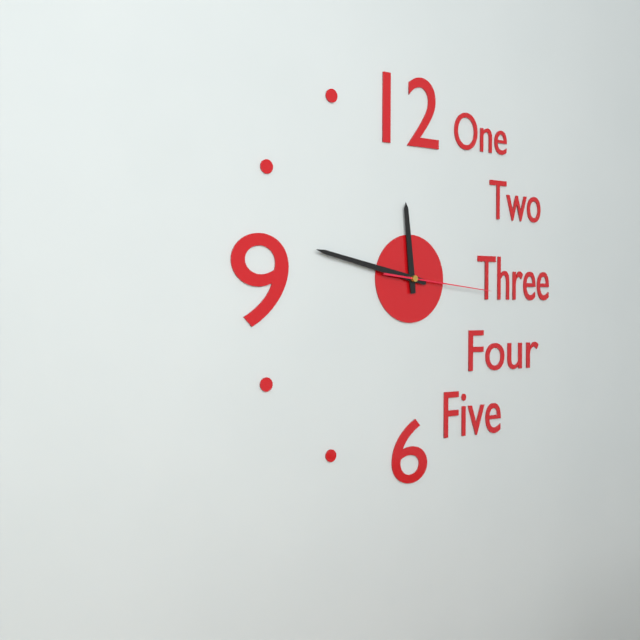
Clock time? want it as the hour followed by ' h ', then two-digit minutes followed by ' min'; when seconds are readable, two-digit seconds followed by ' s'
11 h 47 min 16 s
